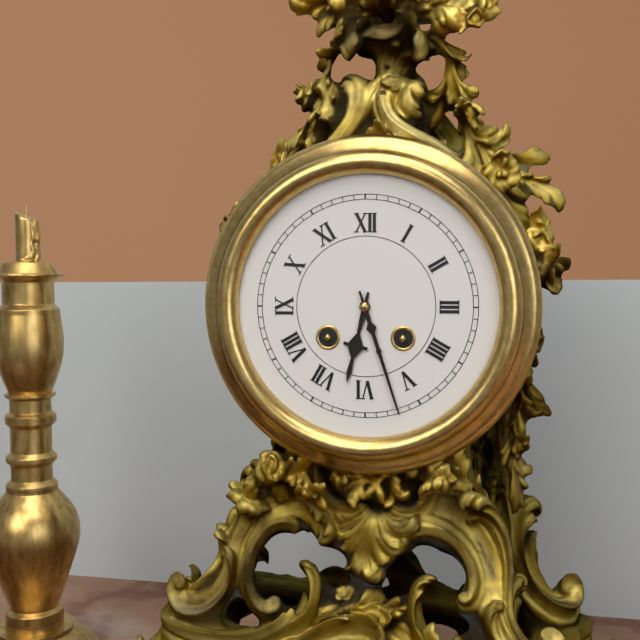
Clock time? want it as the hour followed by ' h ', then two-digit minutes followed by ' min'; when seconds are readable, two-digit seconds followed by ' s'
6 h 27 min
